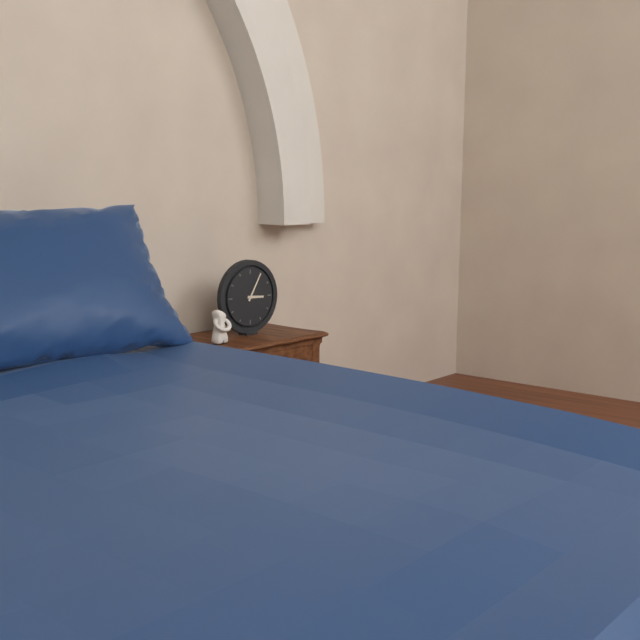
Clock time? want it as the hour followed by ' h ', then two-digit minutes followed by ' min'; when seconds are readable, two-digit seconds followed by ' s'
3 h 05 min
